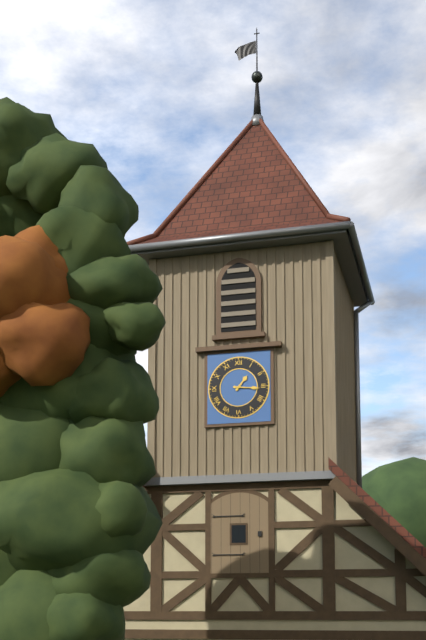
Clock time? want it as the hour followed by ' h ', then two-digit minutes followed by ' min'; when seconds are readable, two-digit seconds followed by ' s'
1 h 16 min
